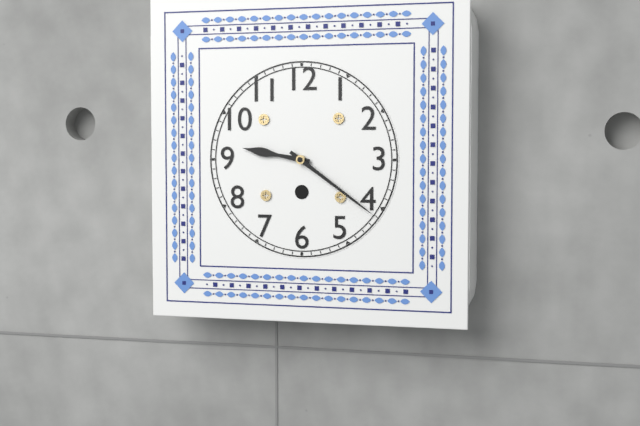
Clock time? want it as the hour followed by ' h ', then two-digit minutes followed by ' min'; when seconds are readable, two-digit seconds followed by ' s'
9 h 21 min
